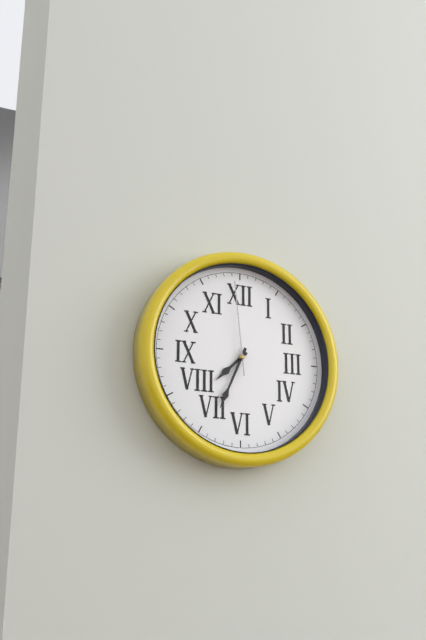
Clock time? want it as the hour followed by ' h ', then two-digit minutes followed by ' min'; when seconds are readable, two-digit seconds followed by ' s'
7 h 34 min 59 s
